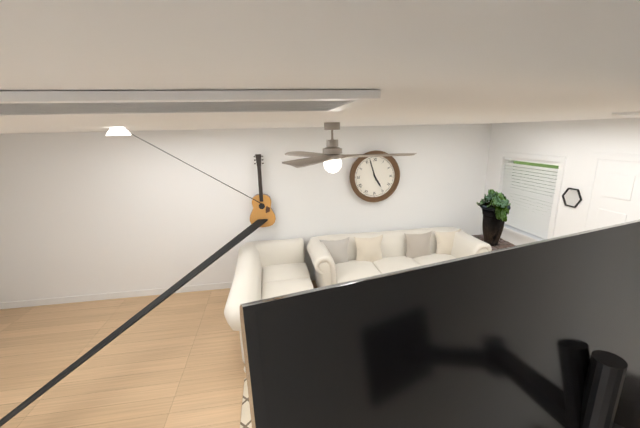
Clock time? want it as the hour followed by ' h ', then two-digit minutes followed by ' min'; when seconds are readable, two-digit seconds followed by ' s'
4 h 57 min
